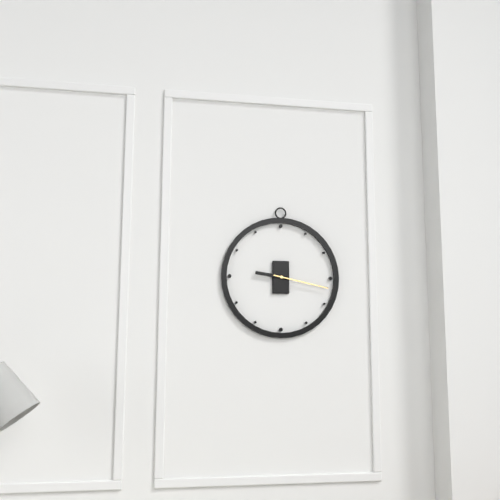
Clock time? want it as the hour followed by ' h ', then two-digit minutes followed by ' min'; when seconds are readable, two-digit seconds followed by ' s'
9 h 17 min
